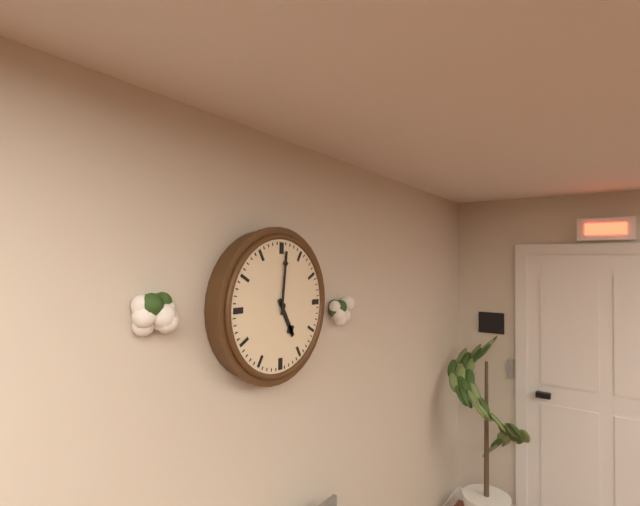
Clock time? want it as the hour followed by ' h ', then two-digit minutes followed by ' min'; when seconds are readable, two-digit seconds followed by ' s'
5 h 01 min
